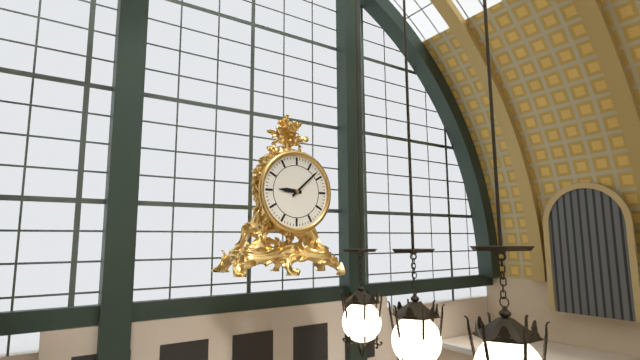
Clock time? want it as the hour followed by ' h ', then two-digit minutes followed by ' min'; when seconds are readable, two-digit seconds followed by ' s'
9 h 08 min
